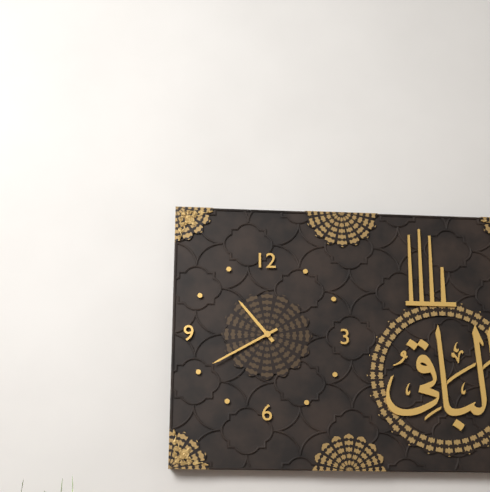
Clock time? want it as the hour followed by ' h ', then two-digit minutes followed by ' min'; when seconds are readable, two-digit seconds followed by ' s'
10 h 40 min
